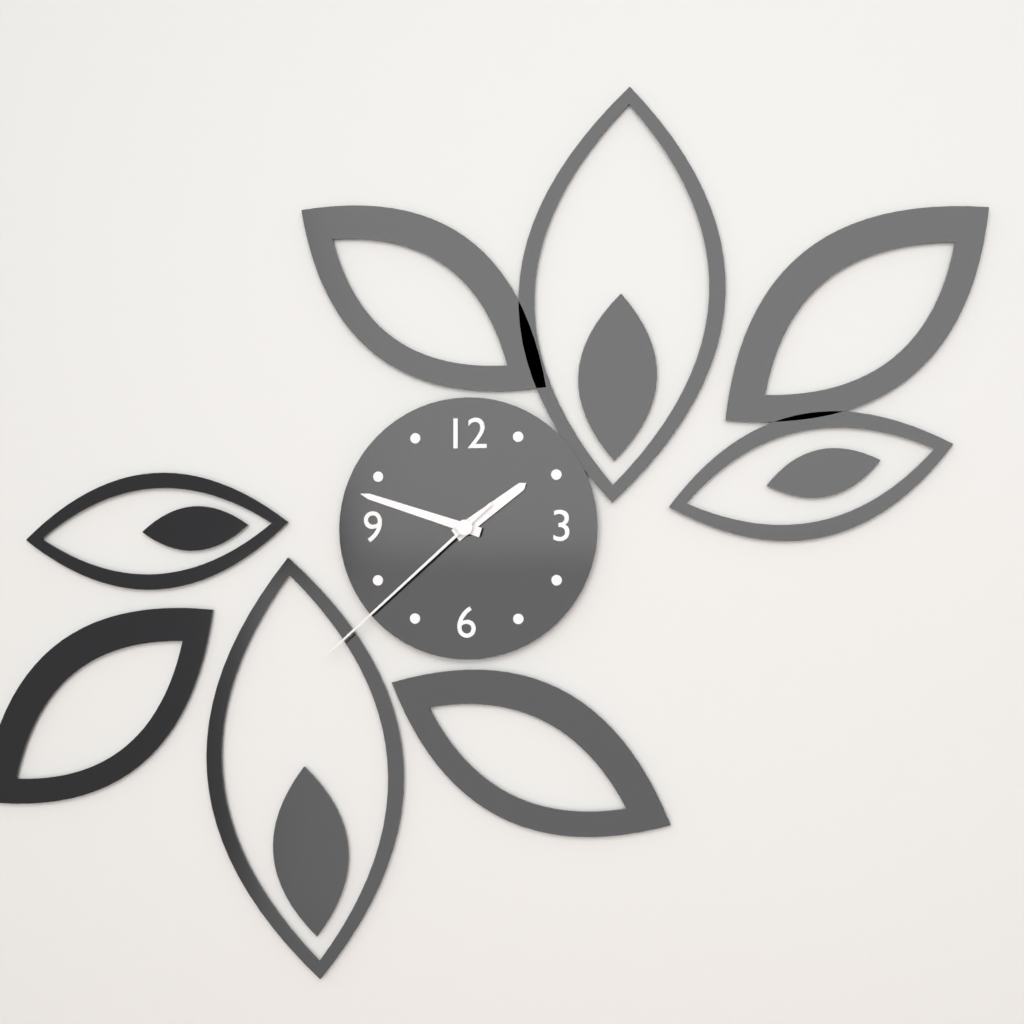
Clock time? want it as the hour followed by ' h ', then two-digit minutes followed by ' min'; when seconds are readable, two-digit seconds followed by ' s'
1 h 48 min 38 s
